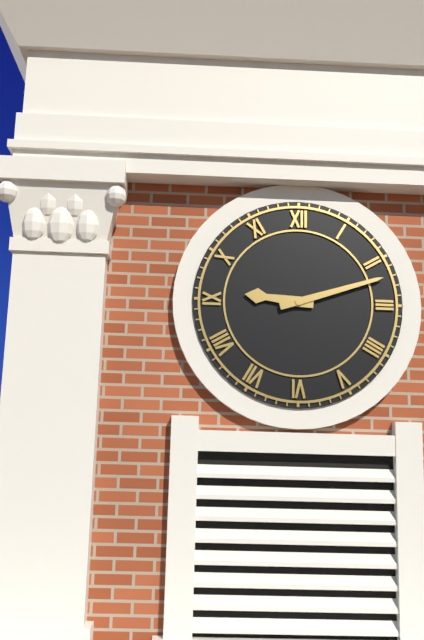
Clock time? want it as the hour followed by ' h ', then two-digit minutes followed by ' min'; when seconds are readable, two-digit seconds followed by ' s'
9 h 12 min
